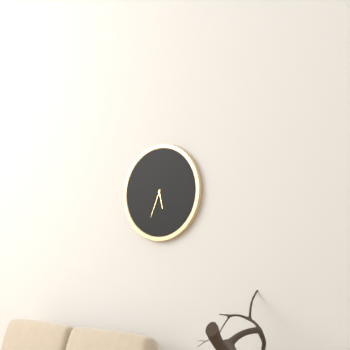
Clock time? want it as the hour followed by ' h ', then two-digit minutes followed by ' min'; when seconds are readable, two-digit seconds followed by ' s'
5 h 34 min
